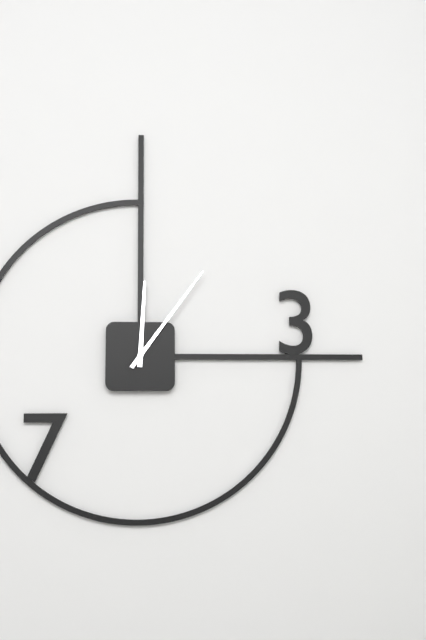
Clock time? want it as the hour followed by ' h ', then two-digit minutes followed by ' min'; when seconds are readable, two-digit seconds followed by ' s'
12 h 06 min
